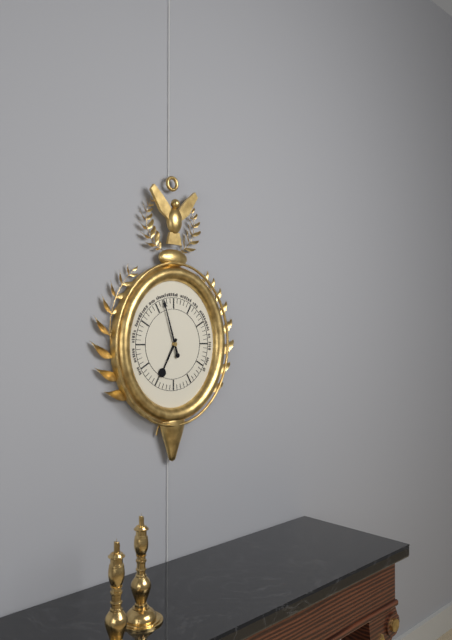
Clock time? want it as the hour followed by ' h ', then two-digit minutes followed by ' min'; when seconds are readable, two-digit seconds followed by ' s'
6 h 57 min
